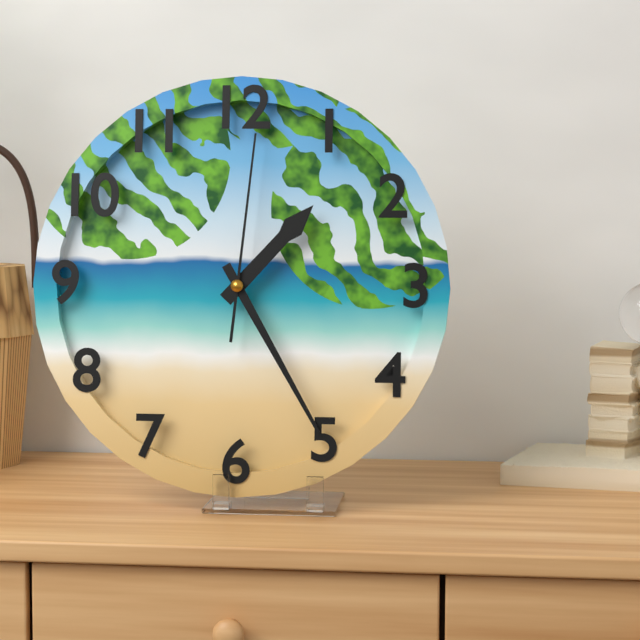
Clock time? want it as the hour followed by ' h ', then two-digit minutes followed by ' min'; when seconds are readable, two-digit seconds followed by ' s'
1 h 25 min 01 s
